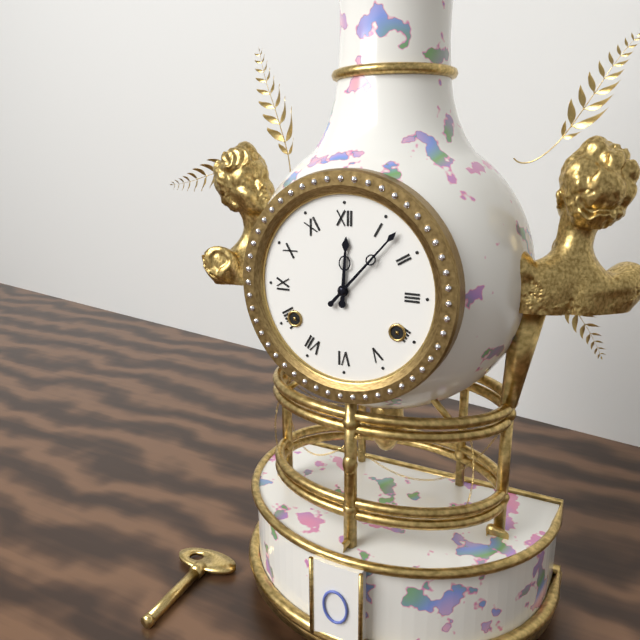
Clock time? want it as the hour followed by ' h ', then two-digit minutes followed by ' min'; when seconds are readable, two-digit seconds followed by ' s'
12 h 07 min
